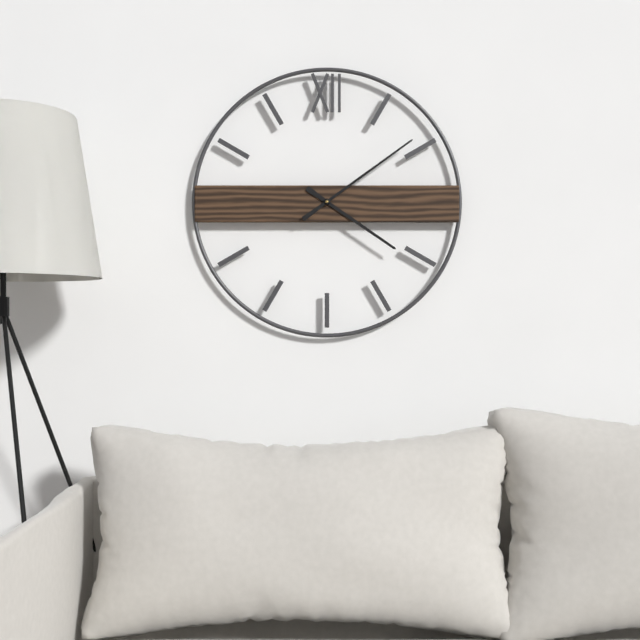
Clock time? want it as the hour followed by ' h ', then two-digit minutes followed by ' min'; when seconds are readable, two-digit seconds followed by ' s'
4 h 09 min
